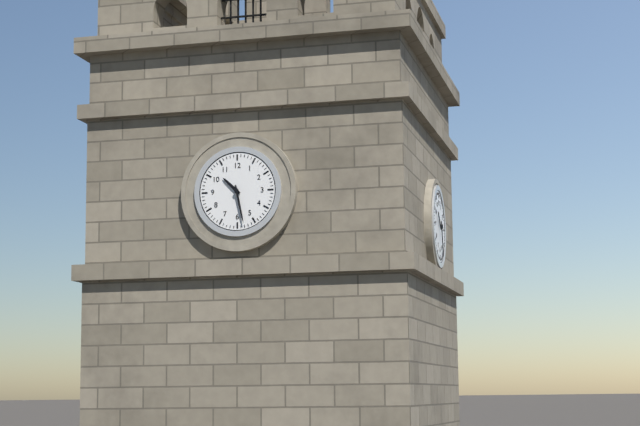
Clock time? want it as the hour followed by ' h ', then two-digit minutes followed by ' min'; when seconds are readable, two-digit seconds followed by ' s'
10 h 28 min
